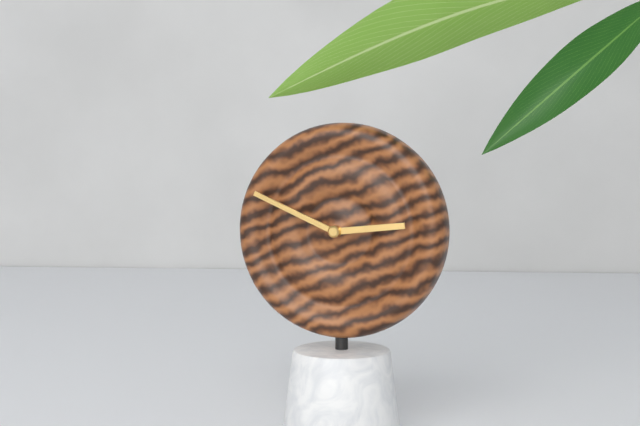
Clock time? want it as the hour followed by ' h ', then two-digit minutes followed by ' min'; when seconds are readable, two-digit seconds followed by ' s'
2 h 49 min
